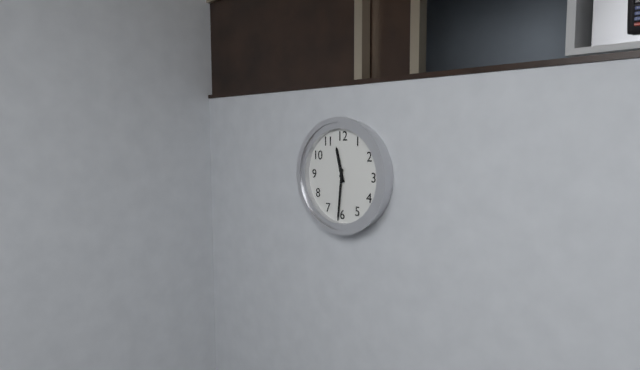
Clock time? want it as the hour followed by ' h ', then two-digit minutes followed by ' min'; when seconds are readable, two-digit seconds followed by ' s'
11 h 31 min
